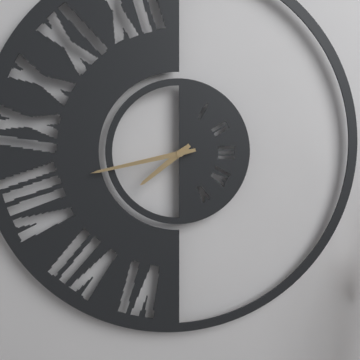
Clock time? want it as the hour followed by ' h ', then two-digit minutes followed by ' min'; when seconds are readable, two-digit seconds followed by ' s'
7 h 43 min
